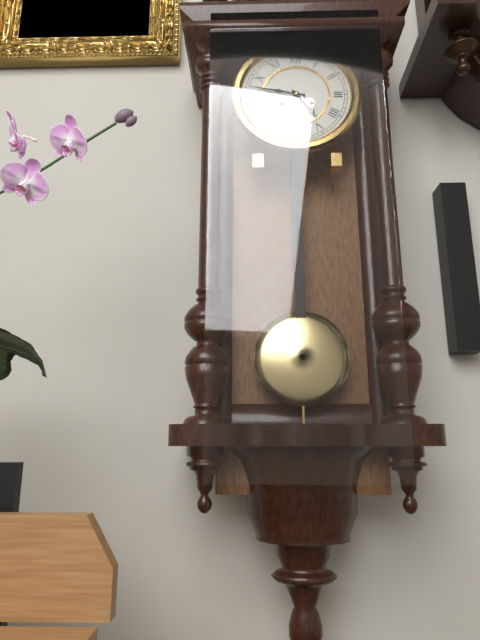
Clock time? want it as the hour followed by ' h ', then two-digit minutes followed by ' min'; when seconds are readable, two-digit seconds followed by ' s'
4 h 47 min
